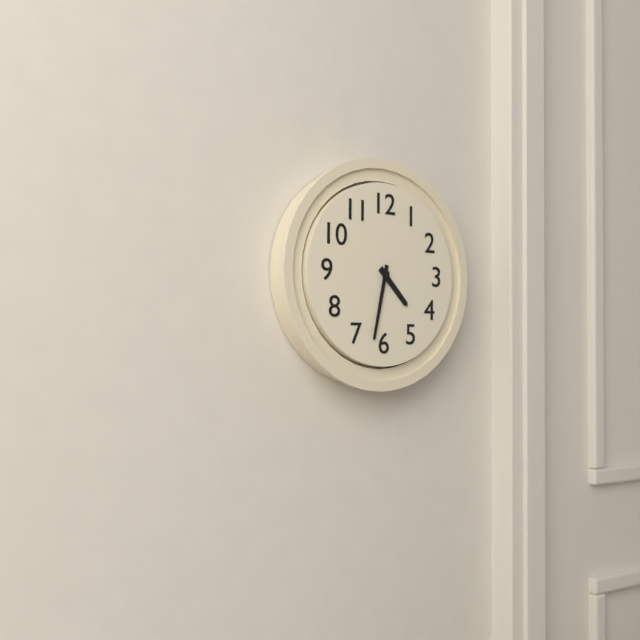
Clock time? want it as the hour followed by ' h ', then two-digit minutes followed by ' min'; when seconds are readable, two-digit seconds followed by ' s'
4 h 32 min
